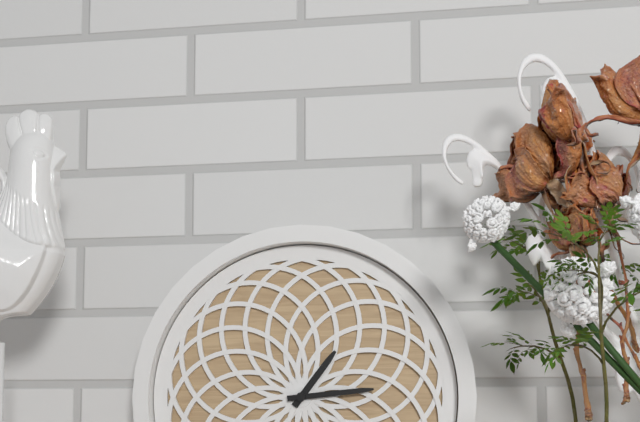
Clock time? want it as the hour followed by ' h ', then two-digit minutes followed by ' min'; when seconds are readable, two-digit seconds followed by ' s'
1 h 14 min
